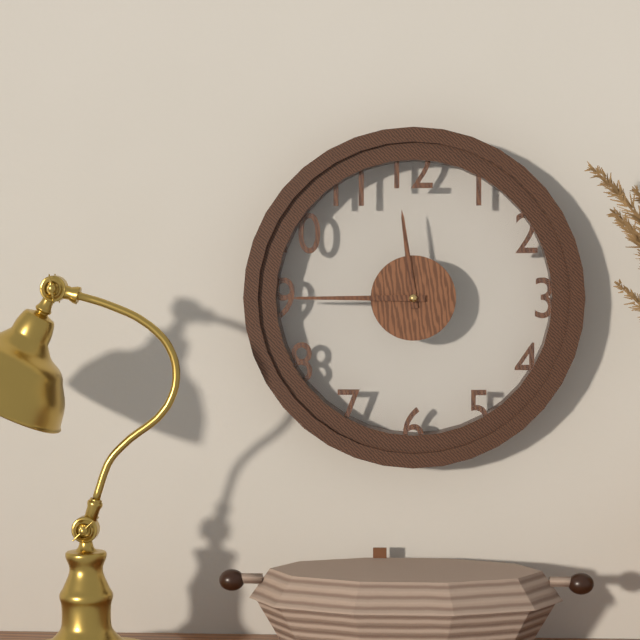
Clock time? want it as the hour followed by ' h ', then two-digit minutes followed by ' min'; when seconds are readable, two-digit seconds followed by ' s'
11 h 45 min
